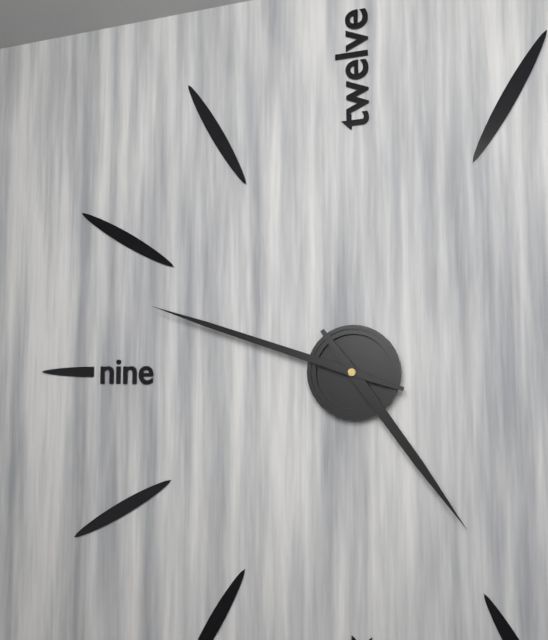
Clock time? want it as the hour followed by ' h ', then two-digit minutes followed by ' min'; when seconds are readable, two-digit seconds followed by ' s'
4 h 48 min
